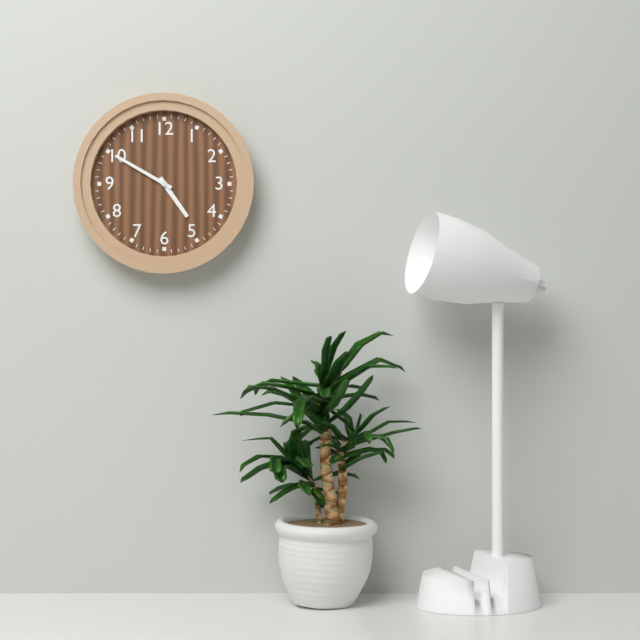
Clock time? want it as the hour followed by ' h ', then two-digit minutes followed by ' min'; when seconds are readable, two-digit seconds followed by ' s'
4 h 50 min
